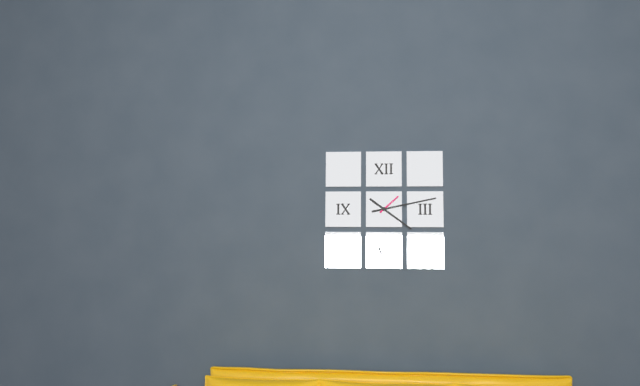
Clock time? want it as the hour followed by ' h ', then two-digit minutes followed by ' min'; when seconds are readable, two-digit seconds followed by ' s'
4 h 13 min
